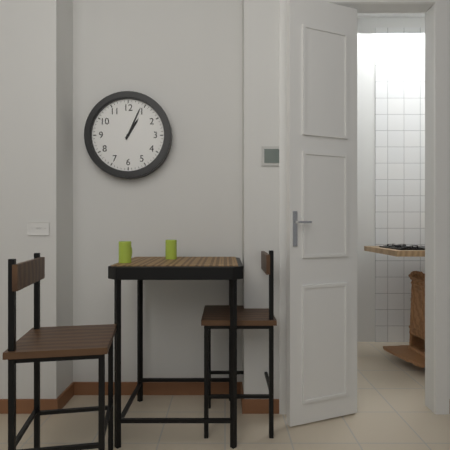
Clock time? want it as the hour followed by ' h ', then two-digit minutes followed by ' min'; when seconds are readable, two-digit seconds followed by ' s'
1 h 04 min
